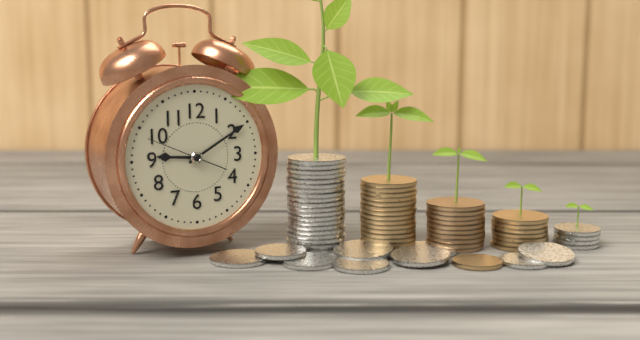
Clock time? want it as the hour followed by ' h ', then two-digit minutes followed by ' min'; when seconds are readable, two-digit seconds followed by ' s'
9 h 10 min 49 s
